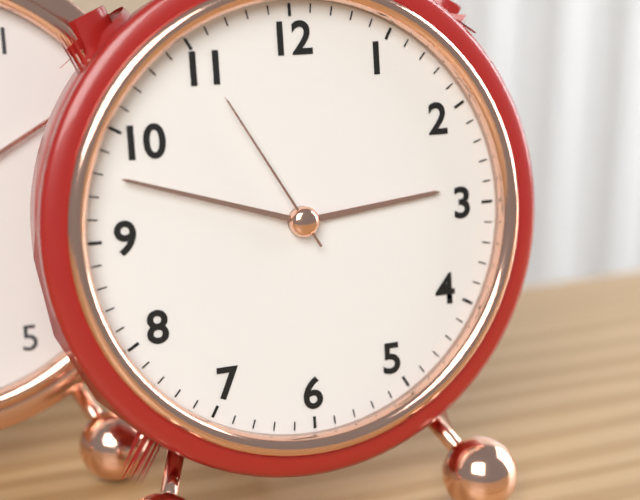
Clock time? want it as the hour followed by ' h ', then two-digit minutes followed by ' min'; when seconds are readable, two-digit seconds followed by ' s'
2 h 48 min 55 s
